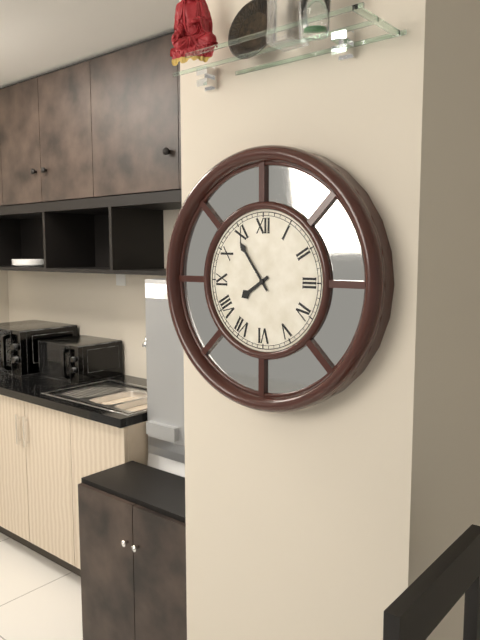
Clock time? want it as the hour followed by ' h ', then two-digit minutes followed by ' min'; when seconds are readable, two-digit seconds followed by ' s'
7 h 54 min
